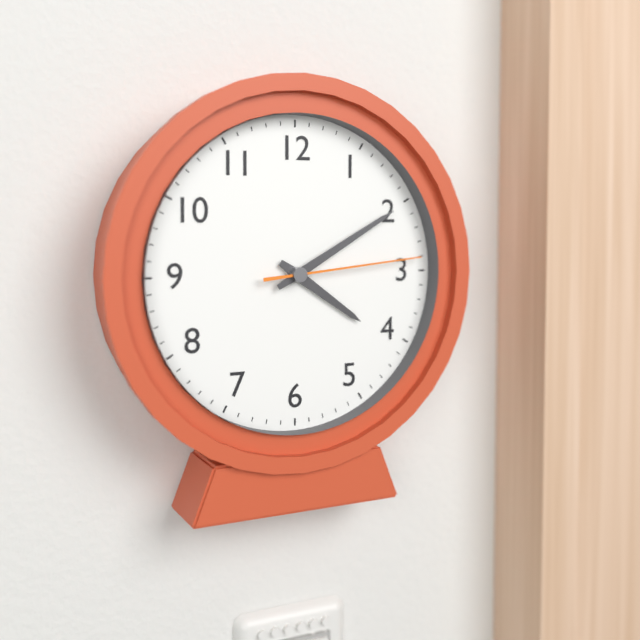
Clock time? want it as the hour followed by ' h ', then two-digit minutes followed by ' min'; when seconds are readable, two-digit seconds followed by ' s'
4 h 10 min 14 s
